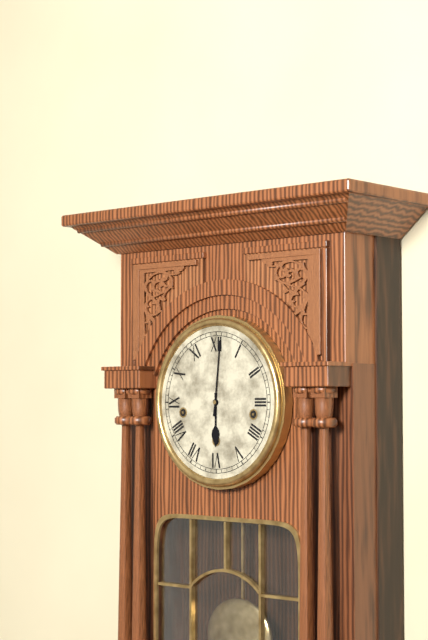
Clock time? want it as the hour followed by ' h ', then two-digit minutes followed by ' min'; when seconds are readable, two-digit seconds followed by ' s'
6 h 01 min
